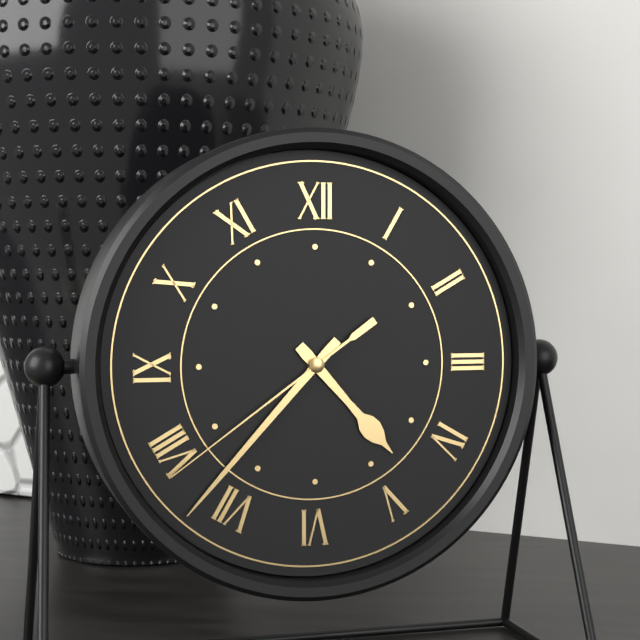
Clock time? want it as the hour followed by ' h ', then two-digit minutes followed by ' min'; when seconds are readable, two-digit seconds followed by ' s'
4 h 37 min 39 s
